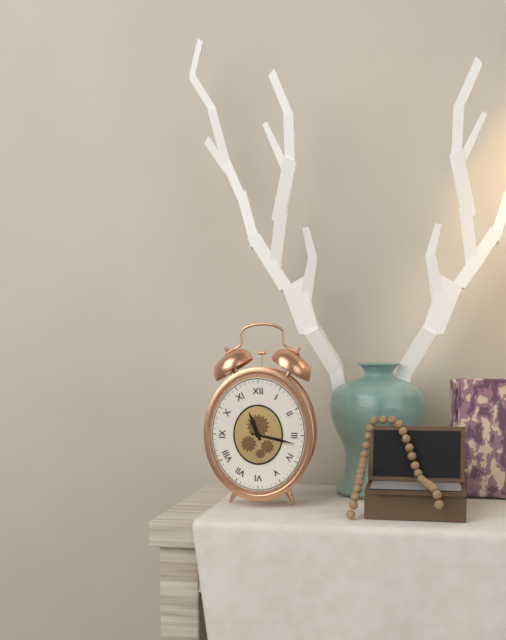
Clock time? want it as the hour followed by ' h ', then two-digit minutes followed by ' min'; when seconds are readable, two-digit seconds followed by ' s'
11 h 17 min
